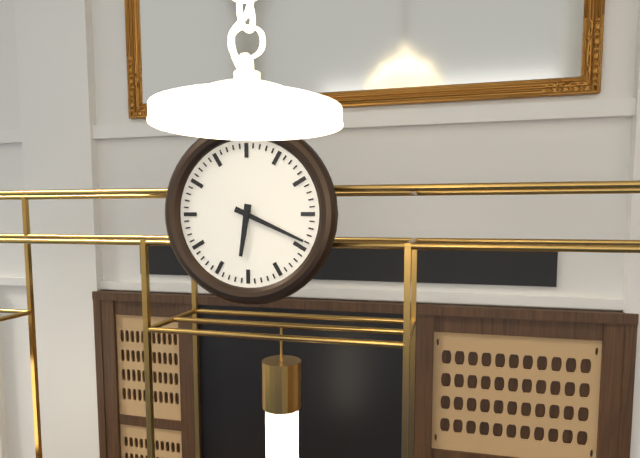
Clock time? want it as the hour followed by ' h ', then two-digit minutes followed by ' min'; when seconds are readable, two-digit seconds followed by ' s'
6 h 19 min
